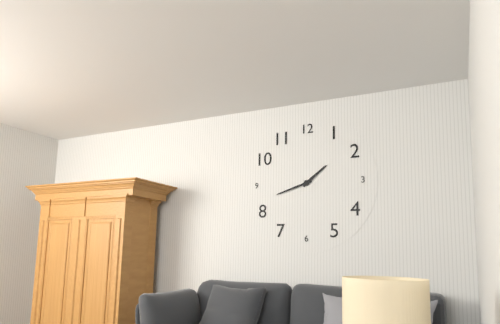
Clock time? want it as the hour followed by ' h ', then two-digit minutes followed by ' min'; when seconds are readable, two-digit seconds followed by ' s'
1 h 42 min
